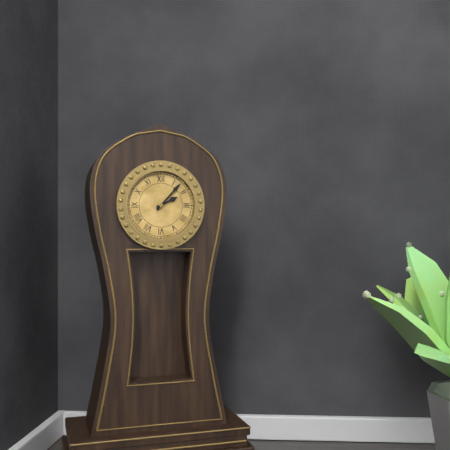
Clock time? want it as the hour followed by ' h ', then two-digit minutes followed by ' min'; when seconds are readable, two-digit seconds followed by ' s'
2 h 07 min
